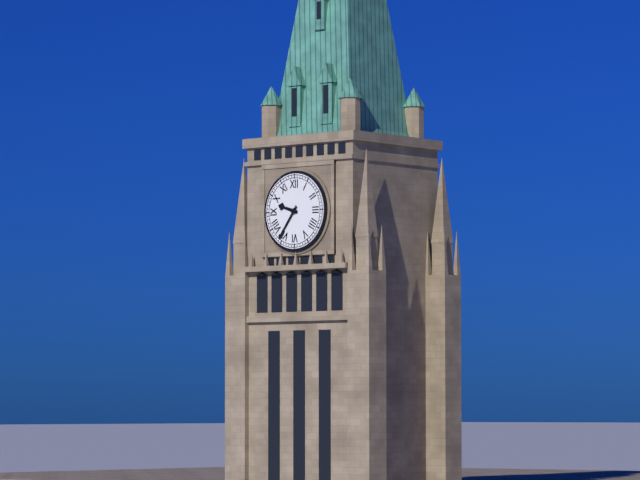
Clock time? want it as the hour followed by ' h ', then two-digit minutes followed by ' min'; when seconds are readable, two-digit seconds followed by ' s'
9 h 36 min
